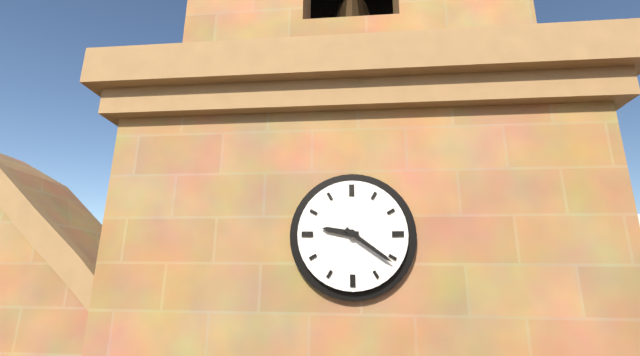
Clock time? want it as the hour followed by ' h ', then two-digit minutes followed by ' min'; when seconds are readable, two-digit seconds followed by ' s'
9 h 21 min
